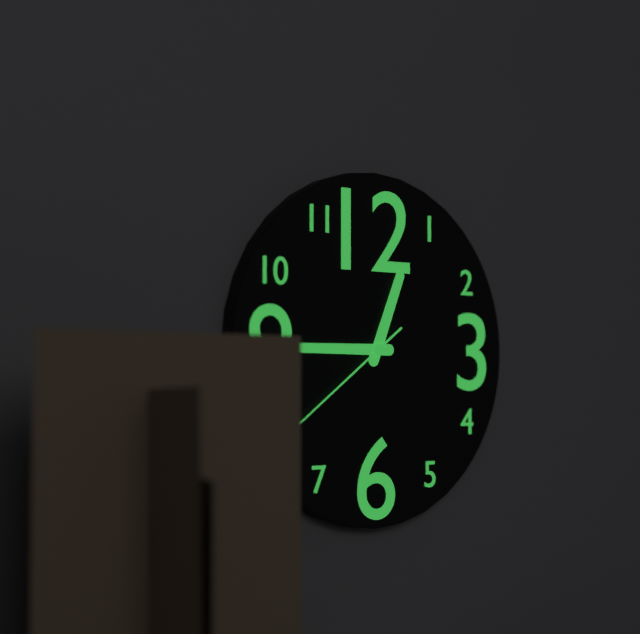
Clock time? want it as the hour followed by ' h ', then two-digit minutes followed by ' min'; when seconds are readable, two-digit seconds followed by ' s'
12 h 45 min 39 s
